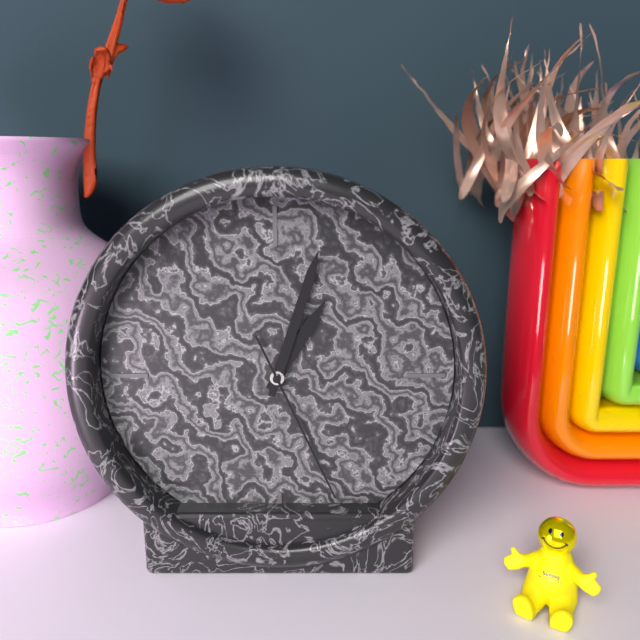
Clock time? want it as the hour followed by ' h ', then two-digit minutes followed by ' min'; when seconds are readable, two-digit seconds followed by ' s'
1 h 03 min 26 s
